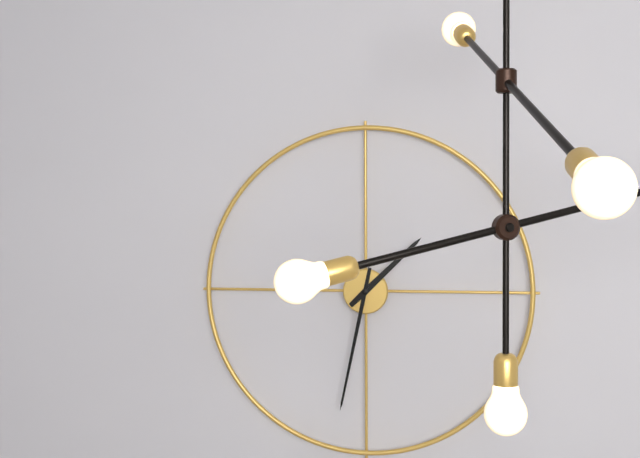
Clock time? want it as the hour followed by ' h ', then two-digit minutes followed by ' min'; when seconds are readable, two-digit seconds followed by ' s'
1 h 32 min
